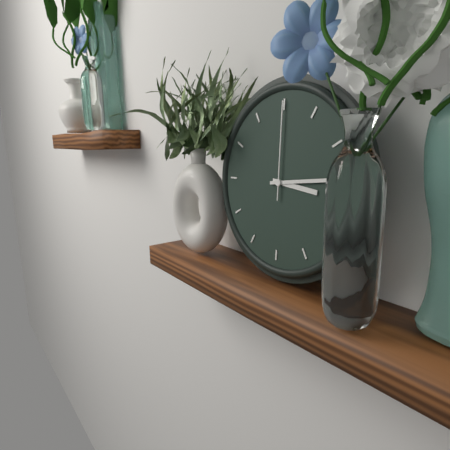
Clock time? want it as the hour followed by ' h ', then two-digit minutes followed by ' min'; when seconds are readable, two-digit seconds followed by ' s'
3 h 14 min 00 s
